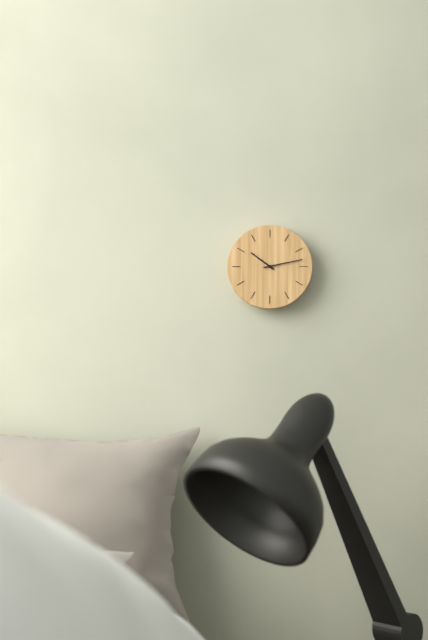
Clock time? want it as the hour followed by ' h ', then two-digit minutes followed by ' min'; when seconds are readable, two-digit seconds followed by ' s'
10 h 13 min
